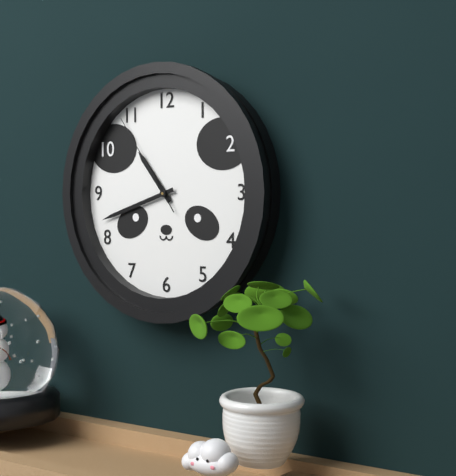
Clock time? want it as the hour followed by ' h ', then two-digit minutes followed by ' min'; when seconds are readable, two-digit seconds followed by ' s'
10 h 42 min 54 s
